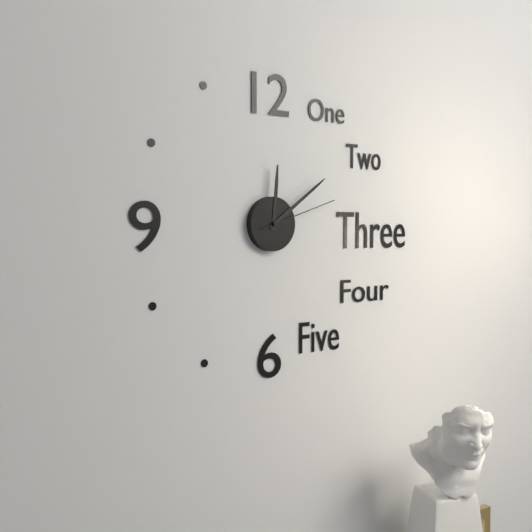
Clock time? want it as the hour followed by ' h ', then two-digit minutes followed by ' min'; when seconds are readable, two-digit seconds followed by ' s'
12 h 09 min 12 s
